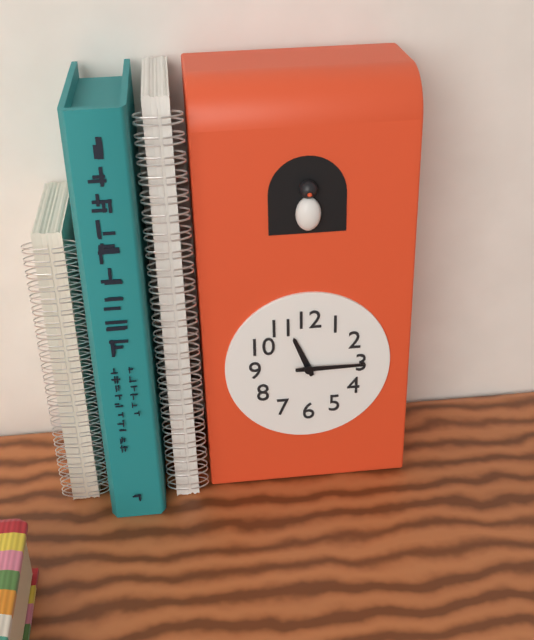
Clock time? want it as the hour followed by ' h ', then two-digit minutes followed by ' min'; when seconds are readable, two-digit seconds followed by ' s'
11 h 15 min
